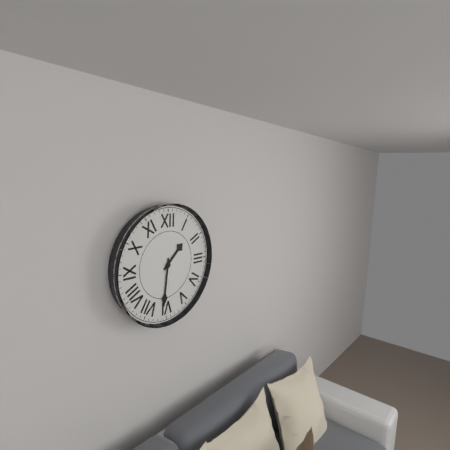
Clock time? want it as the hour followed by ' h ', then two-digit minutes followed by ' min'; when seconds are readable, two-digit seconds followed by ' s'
1 h 31 min
